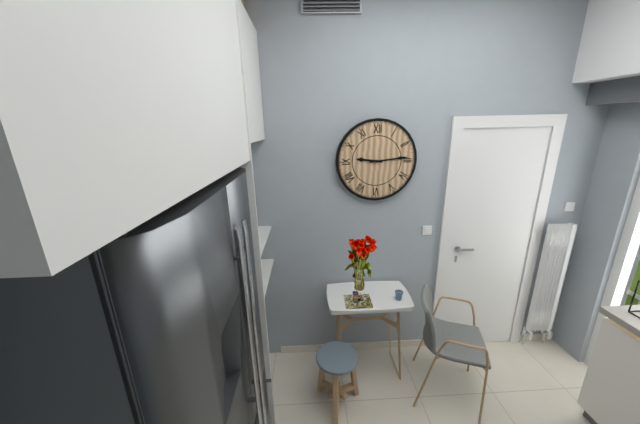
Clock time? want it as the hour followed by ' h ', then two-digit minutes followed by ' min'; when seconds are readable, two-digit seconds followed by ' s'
9 h 14 min
